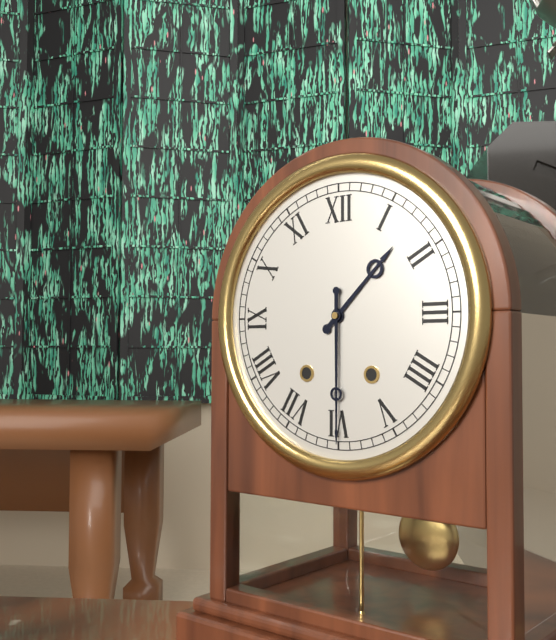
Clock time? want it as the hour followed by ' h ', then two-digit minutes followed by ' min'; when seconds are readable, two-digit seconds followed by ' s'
1 h 30 min
